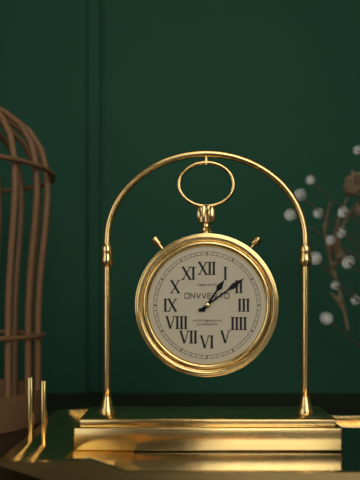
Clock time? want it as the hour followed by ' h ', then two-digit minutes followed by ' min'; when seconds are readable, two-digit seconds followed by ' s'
1 h 09 min
